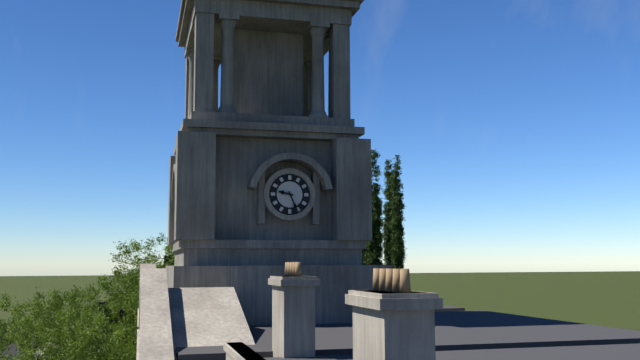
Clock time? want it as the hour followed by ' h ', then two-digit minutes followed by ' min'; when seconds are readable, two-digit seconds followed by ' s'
9 h 26 min
